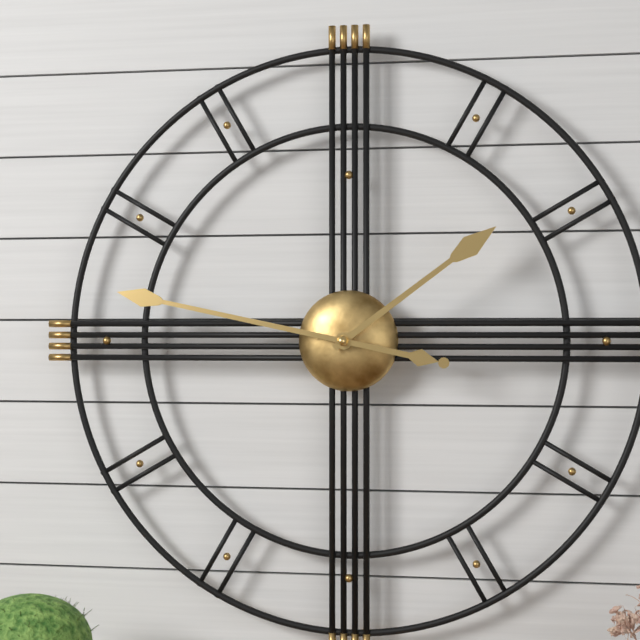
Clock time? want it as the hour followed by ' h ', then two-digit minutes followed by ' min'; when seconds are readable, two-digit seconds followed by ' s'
1 h 47 min
